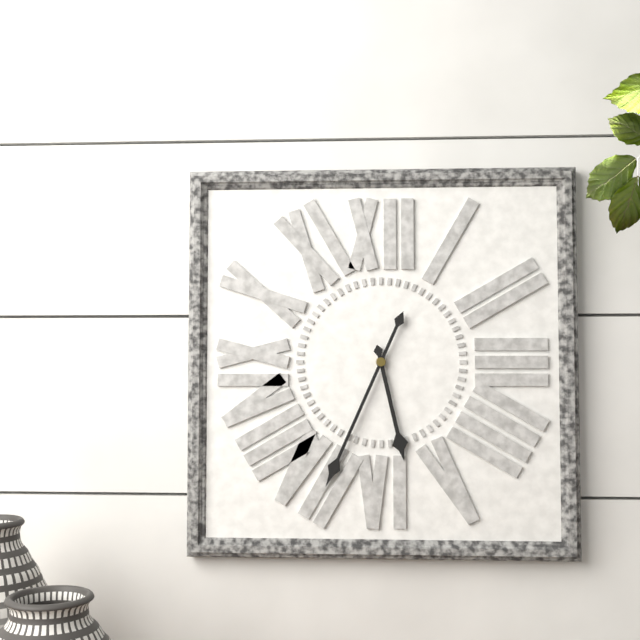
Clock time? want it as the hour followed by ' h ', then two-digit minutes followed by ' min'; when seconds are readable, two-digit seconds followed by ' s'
5 h 34 min
